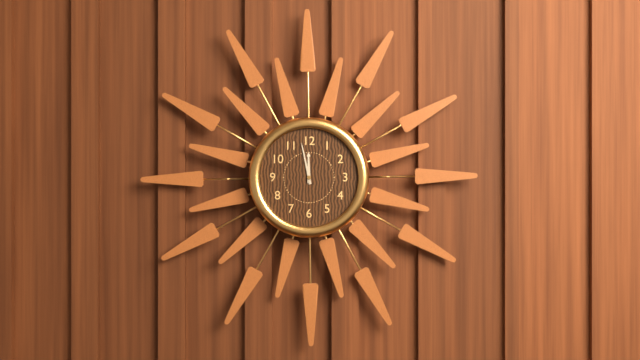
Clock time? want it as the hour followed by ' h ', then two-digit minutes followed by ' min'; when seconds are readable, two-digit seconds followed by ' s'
11 h 58 min
